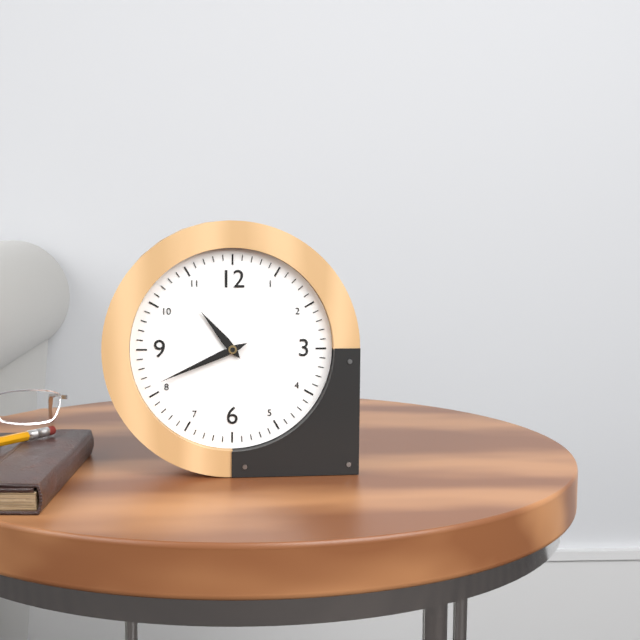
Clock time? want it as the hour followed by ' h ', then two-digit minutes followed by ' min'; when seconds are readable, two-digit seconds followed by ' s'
10 h 41 min
